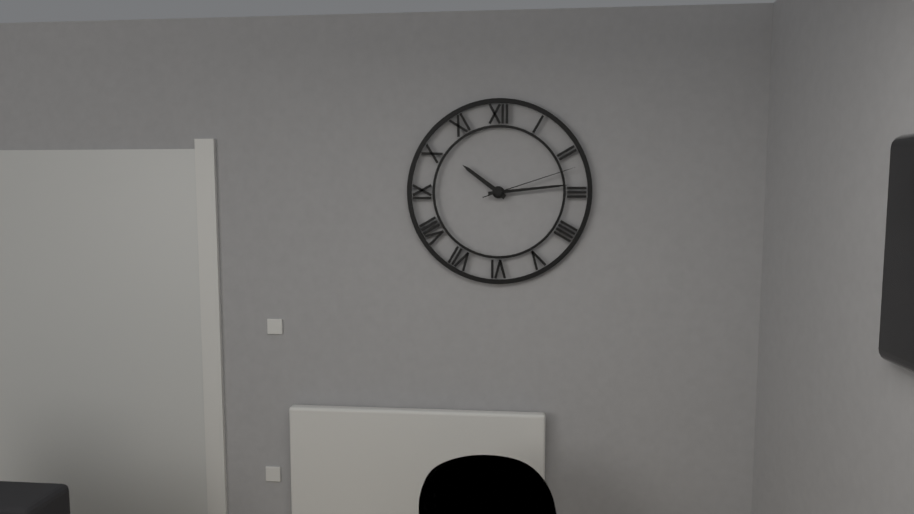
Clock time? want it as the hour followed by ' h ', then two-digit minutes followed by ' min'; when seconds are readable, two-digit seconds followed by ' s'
10 h 14 min 12 s
